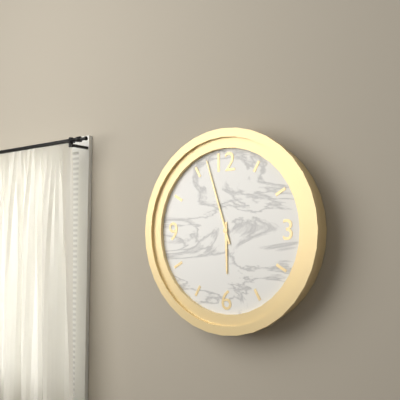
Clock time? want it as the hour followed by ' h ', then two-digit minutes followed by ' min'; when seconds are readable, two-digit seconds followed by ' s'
5 h 57 min
